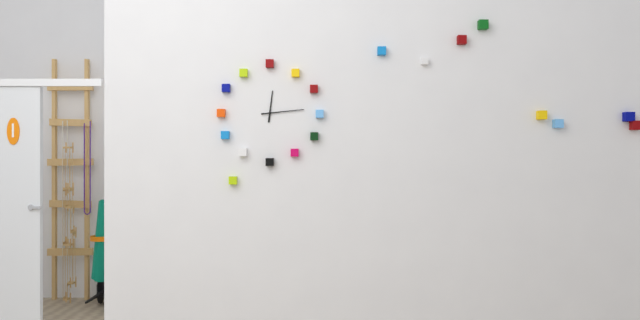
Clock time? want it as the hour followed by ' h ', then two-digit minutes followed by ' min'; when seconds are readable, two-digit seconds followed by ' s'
12 h 14 min
